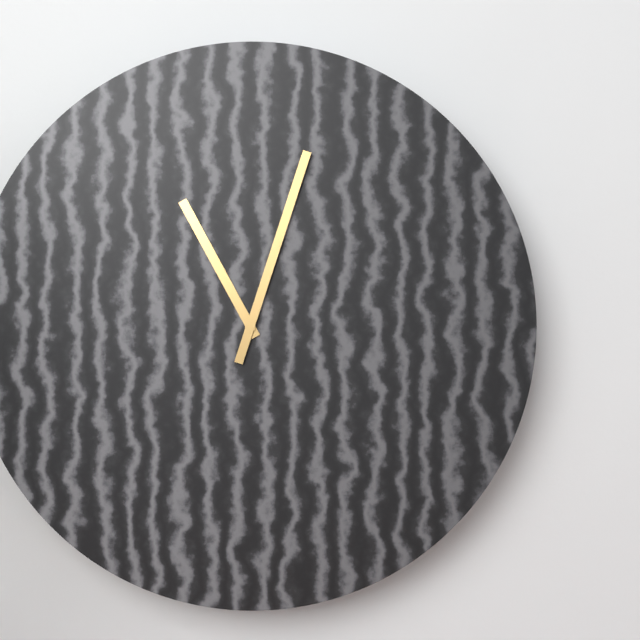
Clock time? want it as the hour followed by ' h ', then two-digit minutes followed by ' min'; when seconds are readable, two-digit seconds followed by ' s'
11 h 03 min
